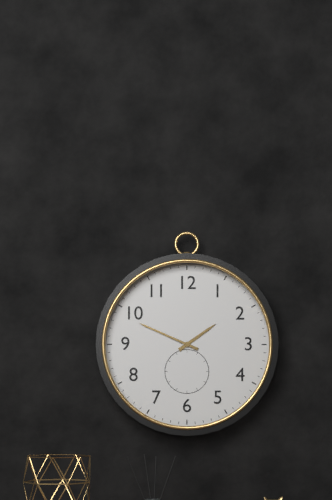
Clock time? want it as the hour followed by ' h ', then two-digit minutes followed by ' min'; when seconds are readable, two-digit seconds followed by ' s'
1 h 49 min
